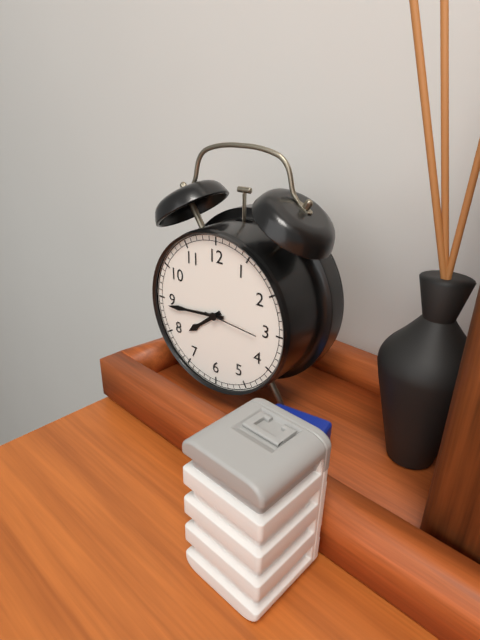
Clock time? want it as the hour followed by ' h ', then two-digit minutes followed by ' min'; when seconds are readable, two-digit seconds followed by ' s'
7 h 44 min 16 s
